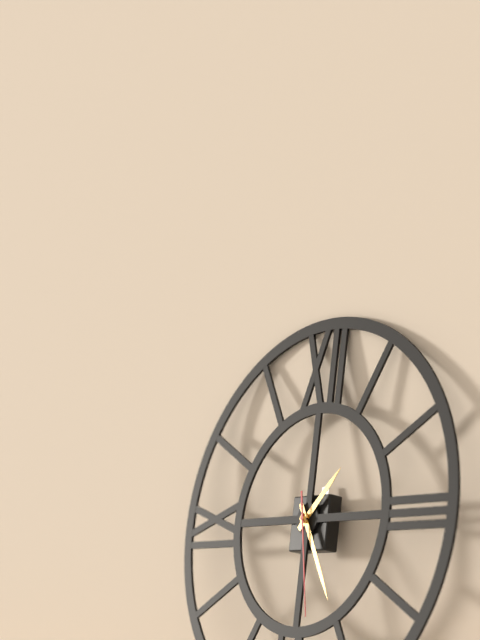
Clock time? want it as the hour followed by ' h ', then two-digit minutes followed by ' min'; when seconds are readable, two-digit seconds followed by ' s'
1 h 25 min 28 s
